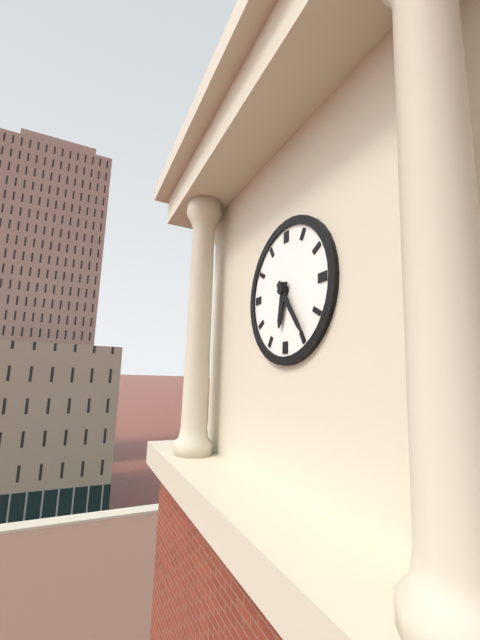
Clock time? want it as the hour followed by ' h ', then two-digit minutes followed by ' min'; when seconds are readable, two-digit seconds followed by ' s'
6 h 24 min
